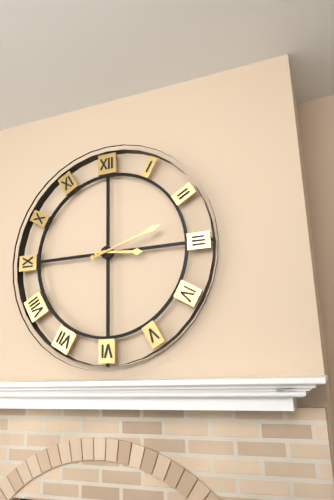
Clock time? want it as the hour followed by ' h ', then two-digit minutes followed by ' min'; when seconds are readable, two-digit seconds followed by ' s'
3 h 12 min
